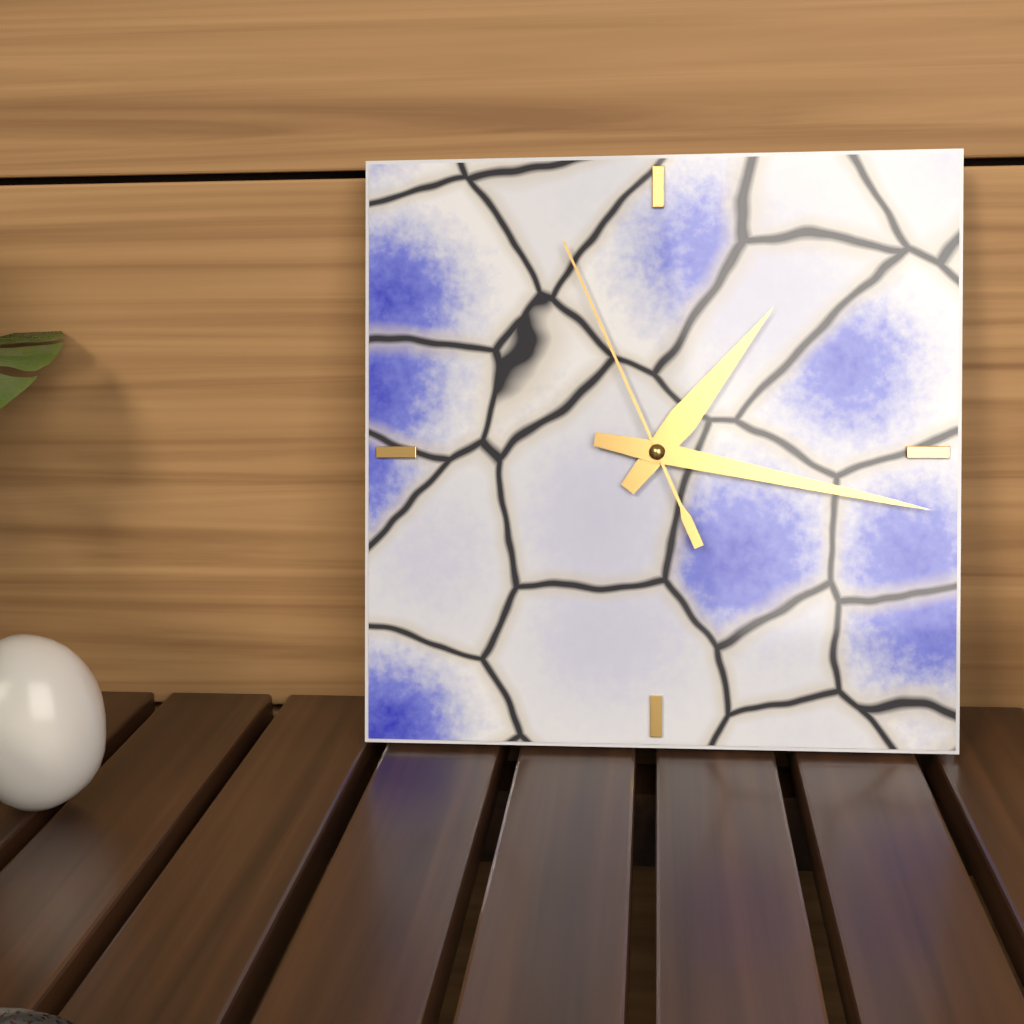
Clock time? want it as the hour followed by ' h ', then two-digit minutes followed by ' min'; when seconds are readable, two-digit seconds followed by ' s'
1 h 17 min 56 s
